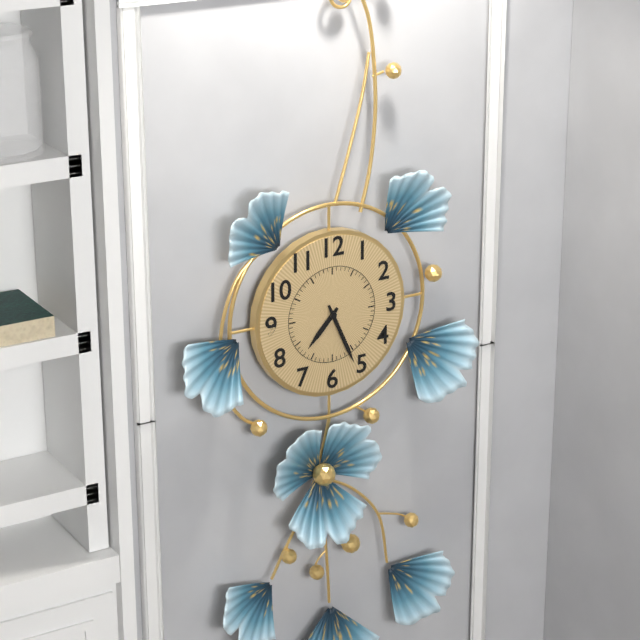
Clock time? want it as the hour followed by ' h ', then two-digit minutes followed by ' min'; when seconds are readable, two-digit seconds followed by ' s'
7 h 26 min
